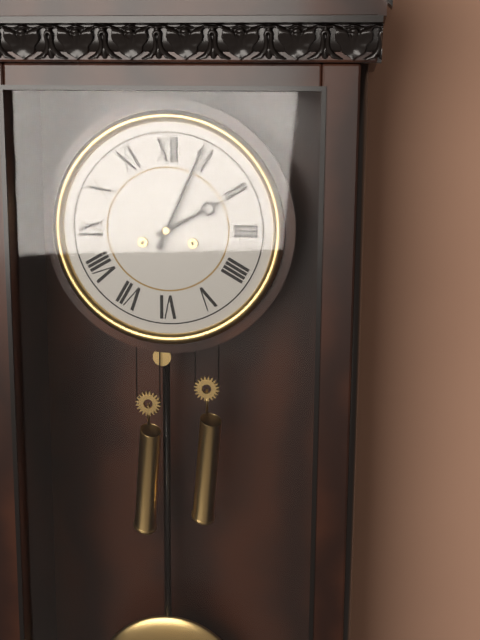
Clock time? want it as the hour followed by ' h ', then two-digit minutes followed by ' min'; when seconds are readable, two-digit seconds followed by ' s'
2 h 04 min
